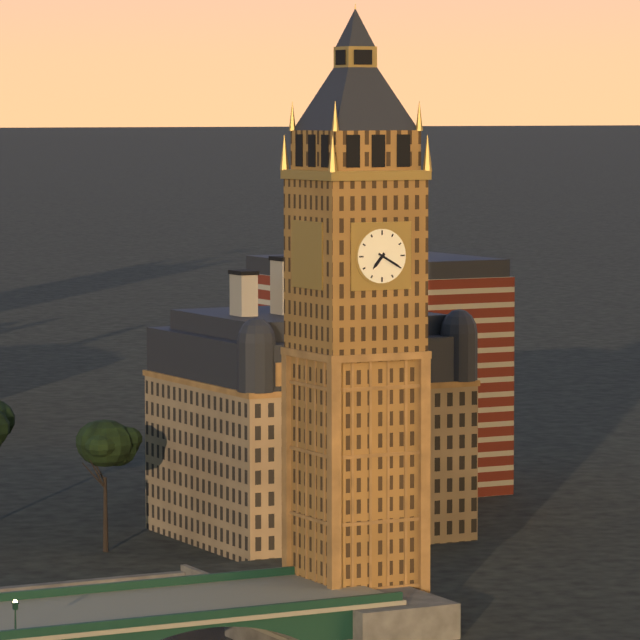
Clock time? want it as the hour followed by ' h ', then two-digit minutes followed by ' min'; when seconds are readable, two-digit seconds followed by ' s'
7 h 20 min
